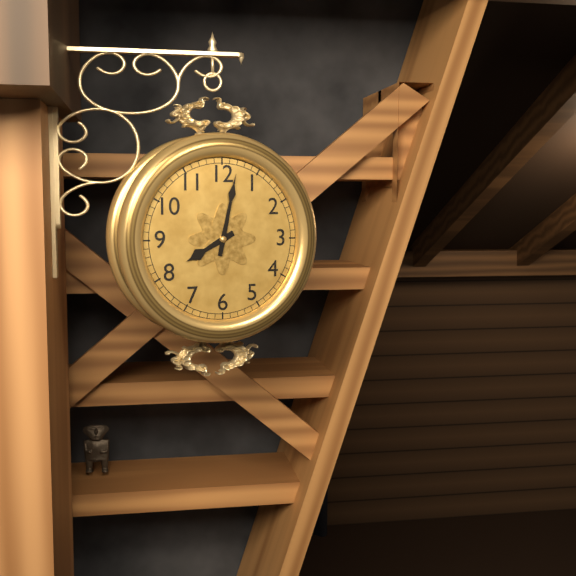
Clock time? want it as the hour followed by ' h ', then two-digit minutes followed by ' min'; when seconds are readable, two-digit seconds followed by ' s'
8 h 02 min
